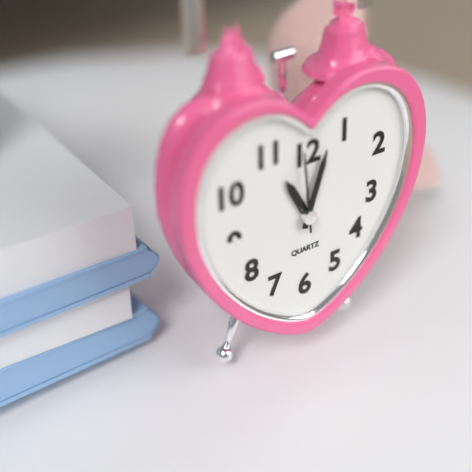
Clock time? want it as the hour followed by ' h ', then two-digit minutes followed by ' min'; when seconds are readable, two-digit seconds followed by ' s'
11 h 03 min 59 s
